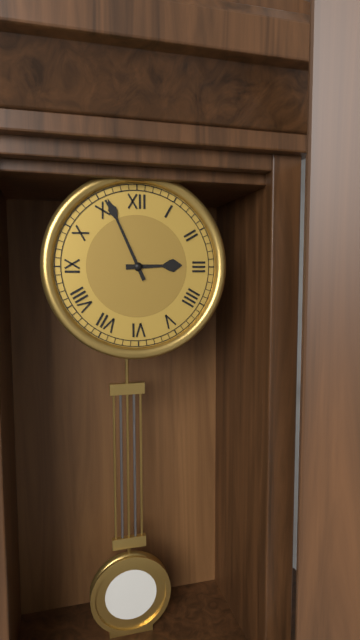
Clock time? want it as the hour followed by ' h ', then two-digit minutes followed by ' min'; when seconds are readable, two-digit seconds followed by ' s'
2 h 56 min
